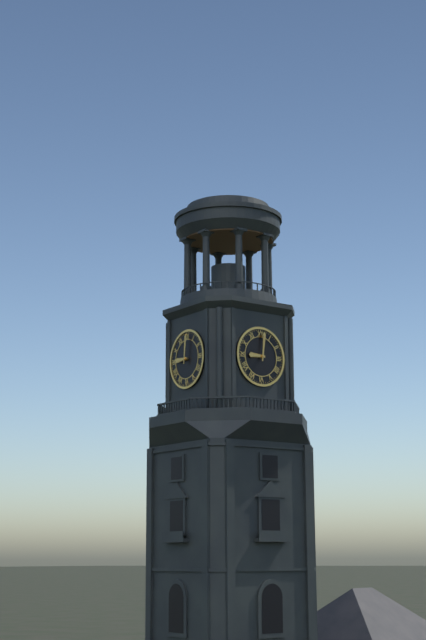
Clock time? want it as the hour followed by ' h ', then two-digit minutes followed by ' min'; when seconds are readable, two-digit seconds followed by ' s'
9 h 01 min
